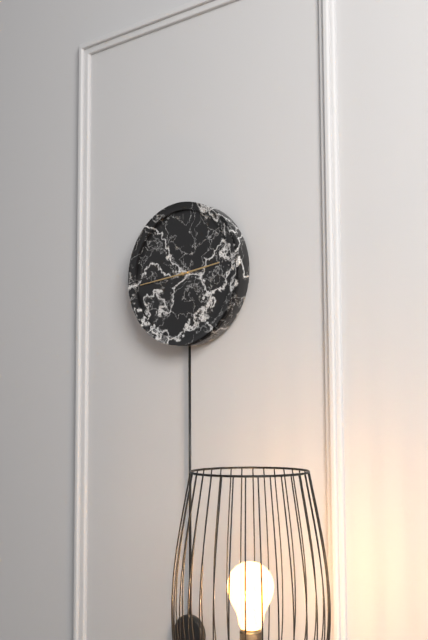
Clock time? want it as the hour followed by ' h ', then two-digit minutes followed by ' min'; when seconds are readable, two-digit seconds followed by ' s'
2 h 44 min
